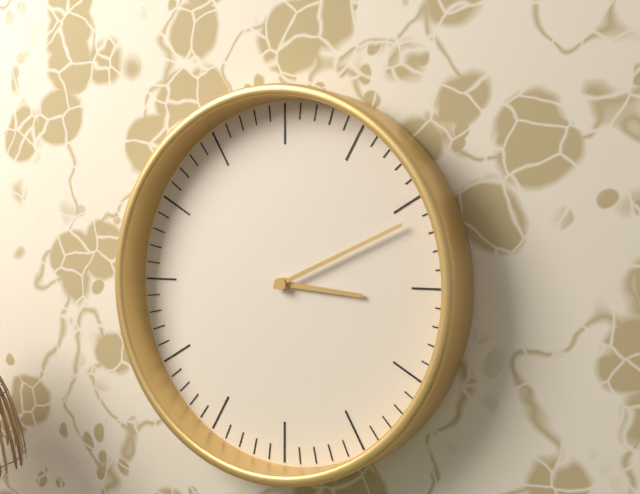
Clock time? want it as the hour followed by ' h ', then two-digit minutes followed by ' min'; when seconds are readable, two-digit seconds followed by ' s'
3 h 11 min
